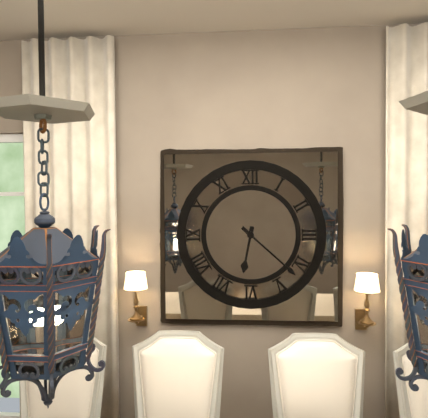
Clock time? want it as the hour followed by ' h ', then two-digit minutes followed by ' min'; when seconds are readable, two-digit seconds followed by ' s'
6 h 22 min
